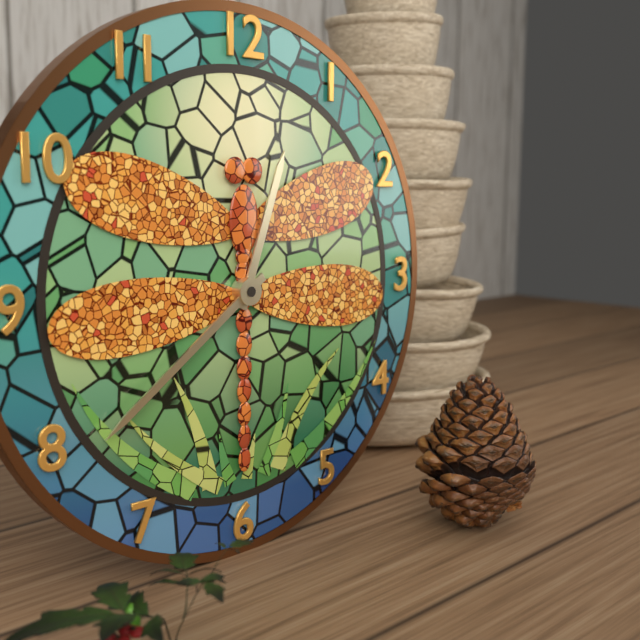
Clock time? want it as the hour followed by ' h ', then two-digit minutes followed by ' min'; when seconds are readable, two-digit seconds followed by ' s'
12 h 39 min
